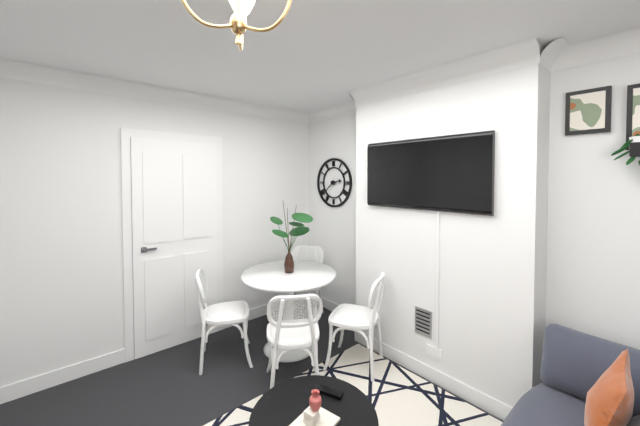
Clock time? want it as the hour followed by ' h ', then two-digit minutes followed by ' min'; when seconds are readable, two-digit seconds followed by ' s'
2 h 38 min
